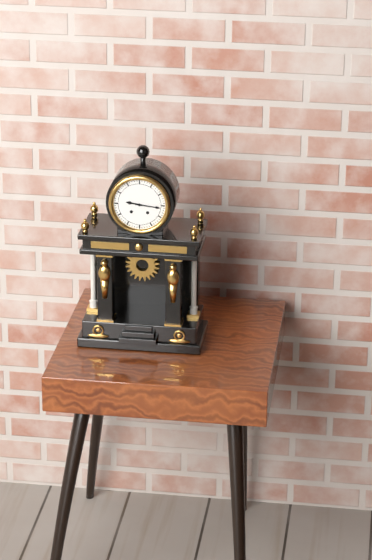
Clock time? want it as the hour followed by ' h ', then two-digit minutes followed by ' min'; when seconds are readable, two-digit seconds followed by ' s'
9 h 16 min
